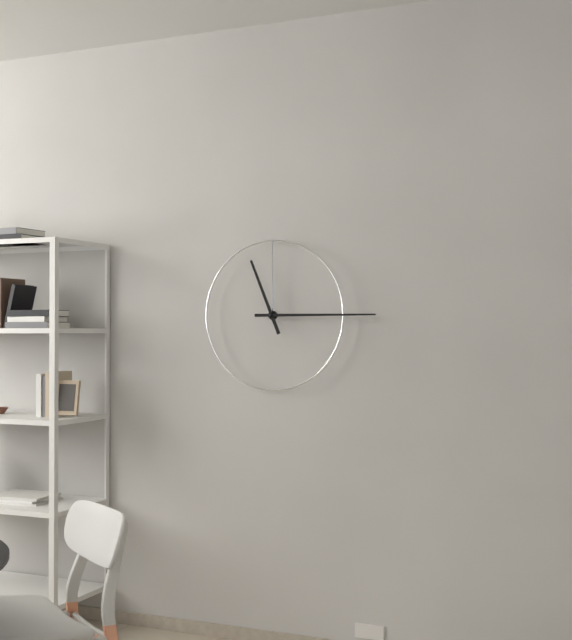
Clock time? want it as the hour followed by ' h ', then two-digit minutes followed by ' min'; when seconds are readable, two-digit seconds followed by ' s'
11 h 15 min
